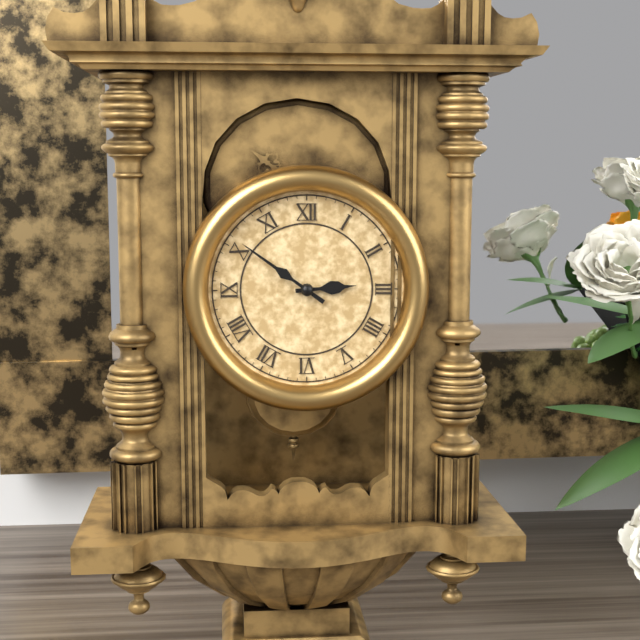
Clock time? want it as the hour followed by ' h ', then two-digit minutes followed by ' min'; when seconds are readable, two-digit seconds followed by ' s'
2 h 51 min
